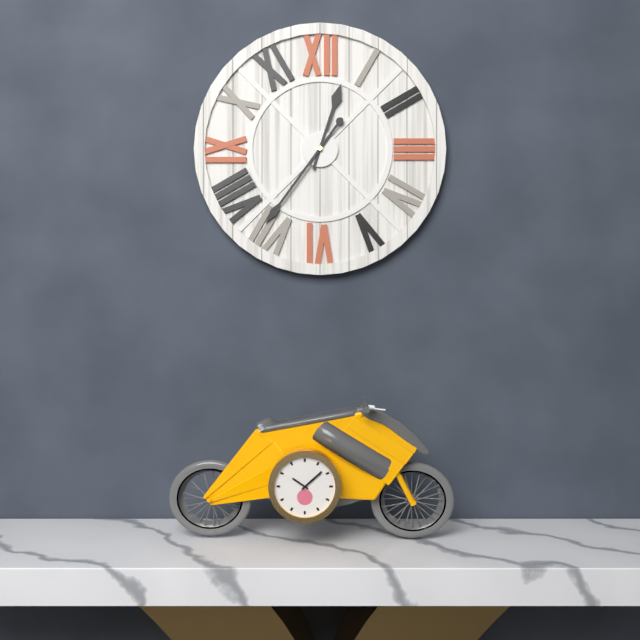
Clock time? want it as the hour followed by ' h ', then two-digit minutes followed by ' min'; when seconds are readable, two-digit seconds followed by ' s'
12 h 36 min
